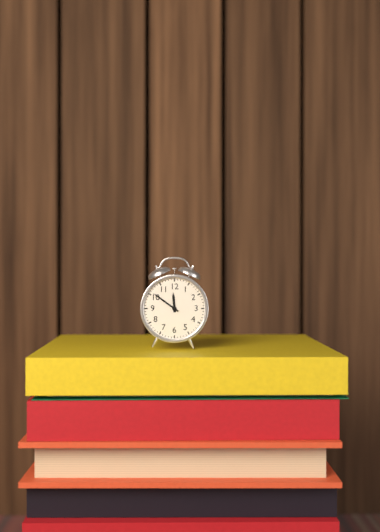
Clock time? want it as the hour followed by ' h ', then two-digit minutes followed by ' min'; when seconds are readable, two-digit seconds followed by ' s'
11 h 51 min
